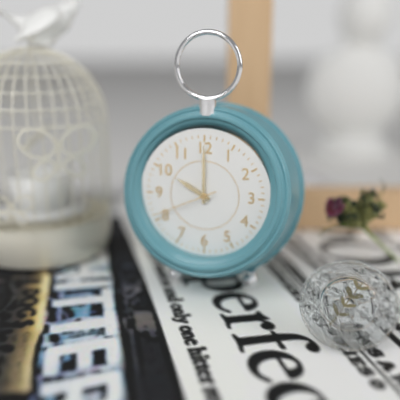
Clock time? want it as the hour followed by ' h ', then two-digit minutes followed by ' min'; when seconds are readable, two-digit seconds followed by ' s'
10 h 00 min 41 s
